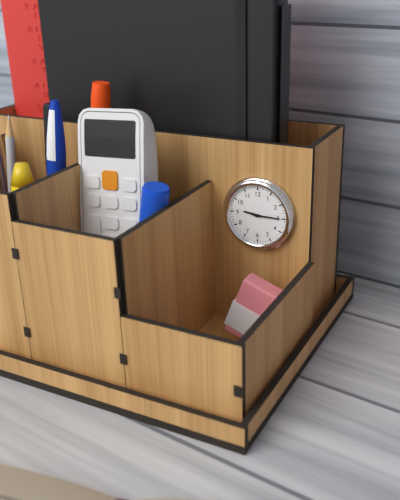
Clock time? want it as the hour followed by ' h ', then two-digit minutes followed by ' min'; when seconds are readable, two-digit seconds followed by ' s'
9 h 15 min
